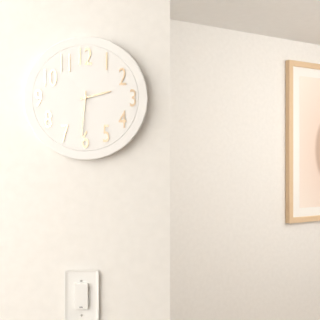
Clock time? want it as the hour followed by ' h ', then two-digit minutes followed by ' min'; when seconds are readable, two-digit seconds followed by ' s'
2 h 31 min
